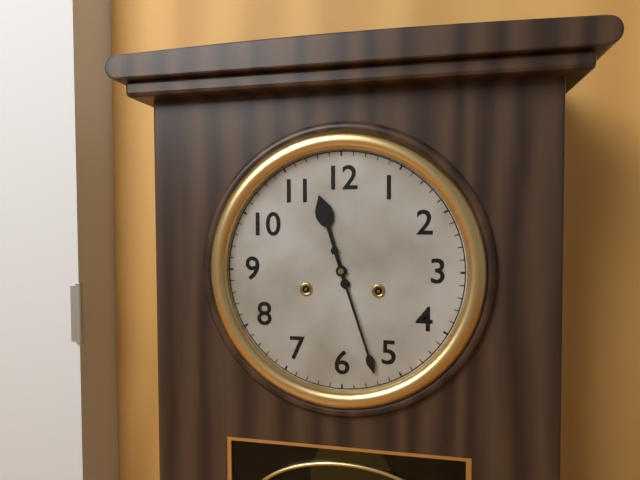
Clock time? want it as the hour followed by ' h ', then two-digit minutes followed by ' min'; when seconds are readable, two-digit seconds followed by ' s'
11 h 27 min
